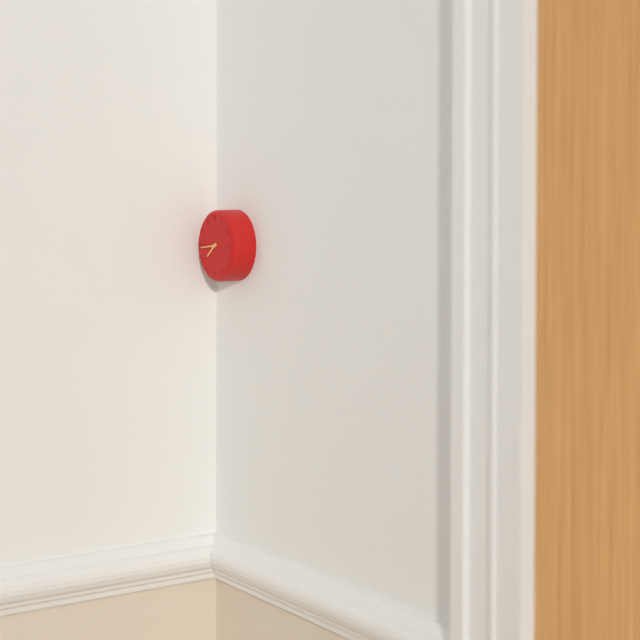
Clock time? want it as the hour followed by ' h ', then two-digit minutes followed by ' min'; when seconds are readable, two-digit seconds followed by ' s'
7 h 44 min
